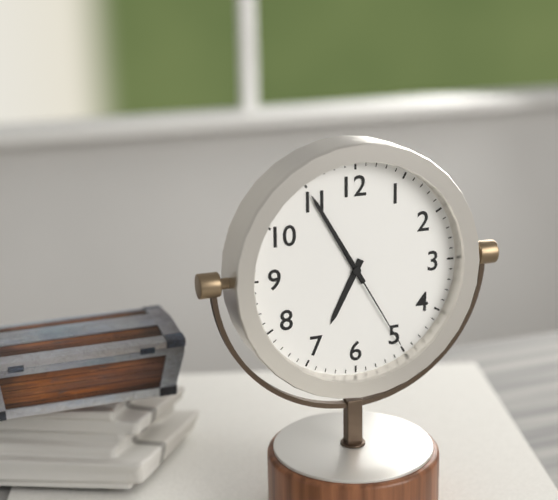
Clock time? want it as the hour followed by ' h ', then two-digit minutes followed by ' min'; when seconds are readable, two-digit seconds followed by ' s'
6 h 55 min 25 s
